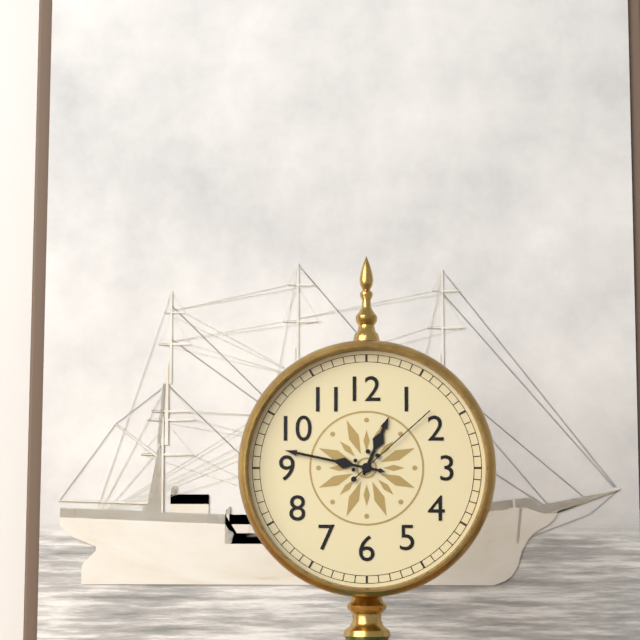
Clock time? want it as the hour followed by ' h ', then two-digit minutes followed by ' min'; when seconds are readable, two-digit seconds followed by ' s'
12 h 47 min 08 s
